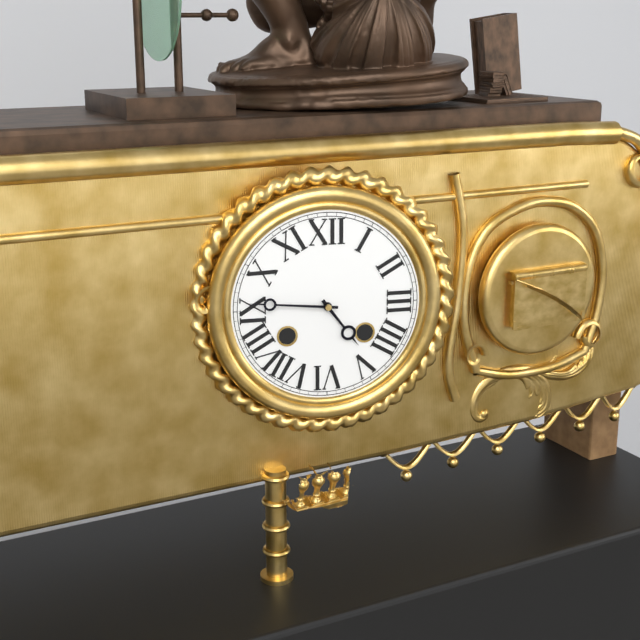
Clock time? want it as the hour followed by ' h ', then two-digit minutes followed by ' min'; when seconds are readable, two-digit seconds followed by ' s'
4 h 46 min
